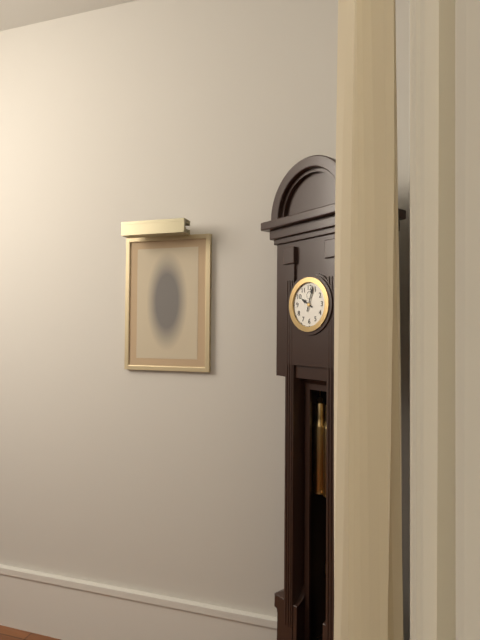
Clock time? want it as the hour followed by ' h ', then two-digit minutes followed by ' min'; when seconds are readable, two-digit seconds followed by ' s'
10 h 03 min
